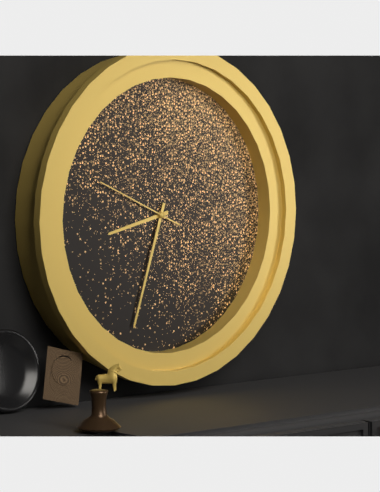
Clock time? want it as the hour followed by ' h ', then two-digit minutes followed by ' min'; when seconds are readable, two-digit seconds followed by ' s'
8 h 33 min 49 s
